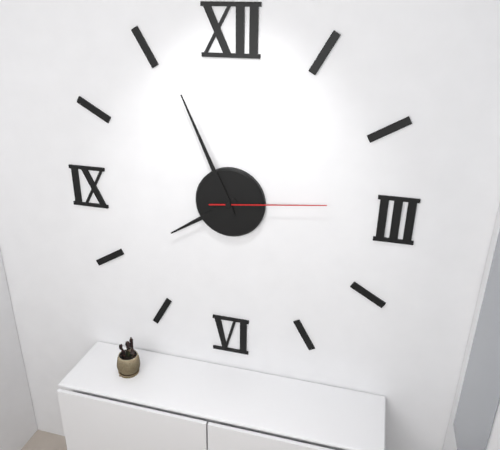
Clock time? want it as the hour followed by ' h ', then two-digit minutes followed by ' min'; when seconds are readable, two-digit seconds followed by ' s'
7 h 56 min 14 s
